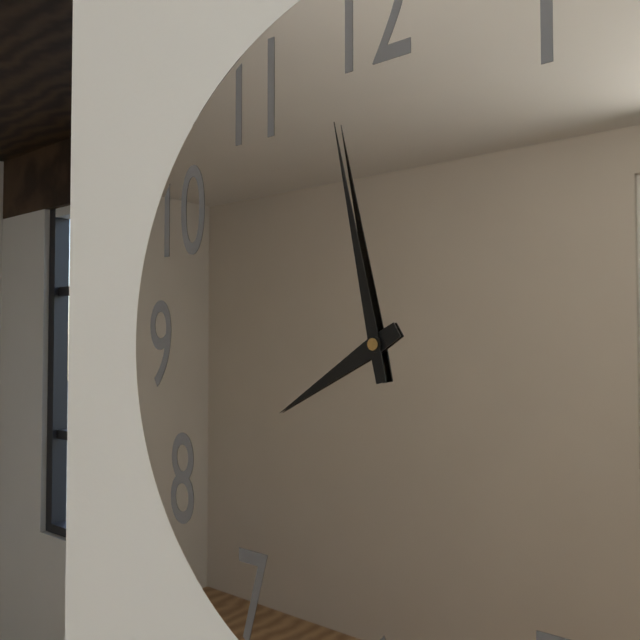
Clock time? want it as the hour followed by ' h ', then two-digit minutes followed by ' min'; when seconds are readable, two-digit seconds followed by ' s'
7 h 58 min
